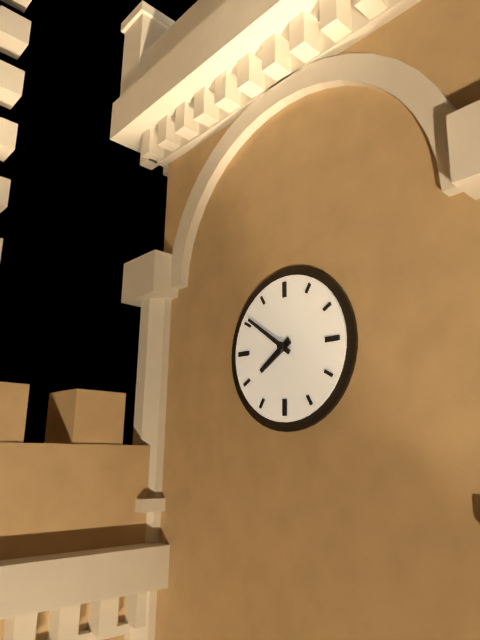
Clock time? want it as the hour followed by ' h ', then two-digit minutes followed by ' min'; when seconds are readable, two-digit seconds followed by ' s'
7 h 51 min
